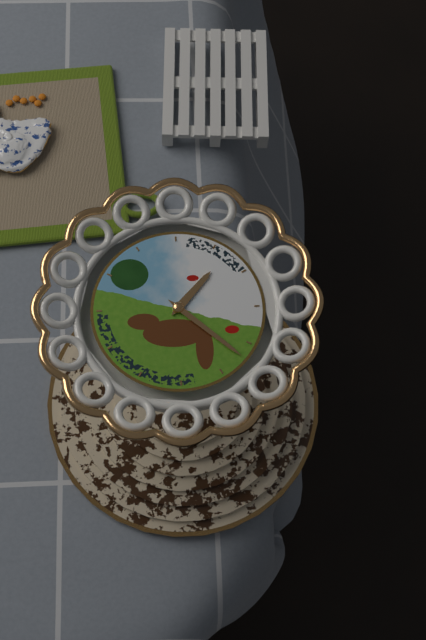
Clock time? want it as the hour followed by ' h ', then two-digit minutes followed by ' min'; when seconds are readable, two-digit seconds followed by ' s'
1 h 22 min
